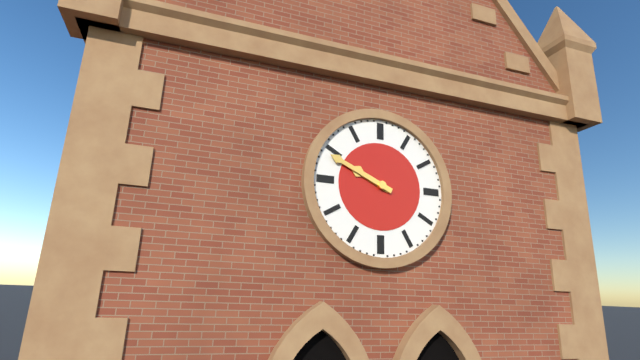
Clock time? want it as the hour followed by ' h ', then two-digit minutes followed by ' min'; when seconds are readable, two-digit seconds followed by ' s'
9 h 49 min
